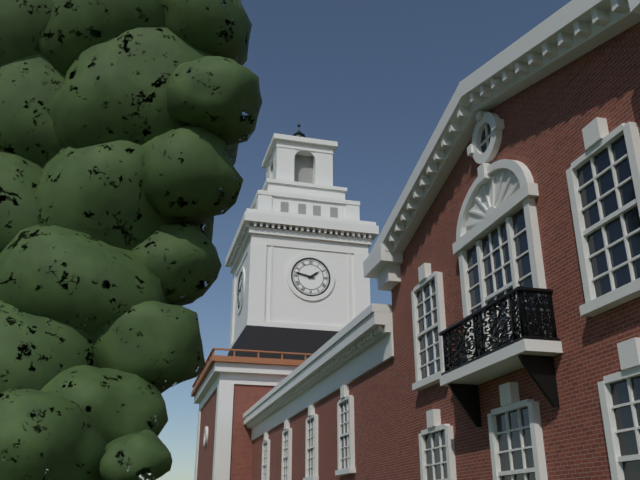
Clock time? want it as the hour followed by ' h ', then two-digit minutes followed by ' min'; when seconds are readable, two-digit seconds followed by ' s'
1 h 47 min
